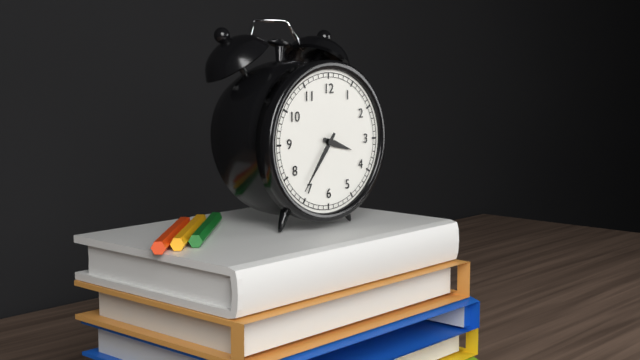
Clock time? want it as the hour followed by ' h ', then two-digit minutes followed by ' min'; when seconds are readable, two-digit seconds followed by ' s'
3 h 36 min
